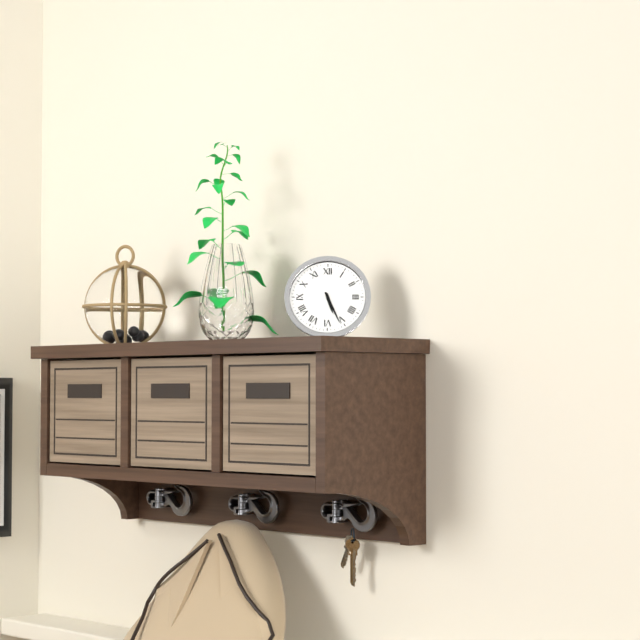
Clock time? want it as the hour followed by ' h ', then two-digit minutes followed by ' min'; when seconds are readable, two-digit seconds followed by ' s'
5 h 26 min
